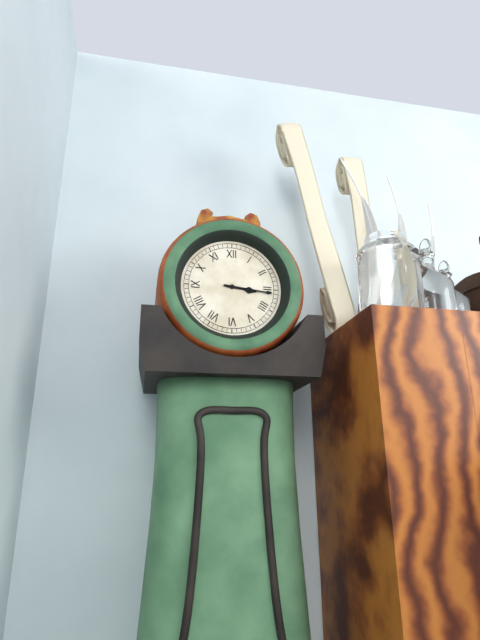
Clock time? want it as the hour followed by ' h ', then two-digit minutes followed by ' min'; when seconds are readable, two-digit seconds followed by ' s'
3 h 16 min
